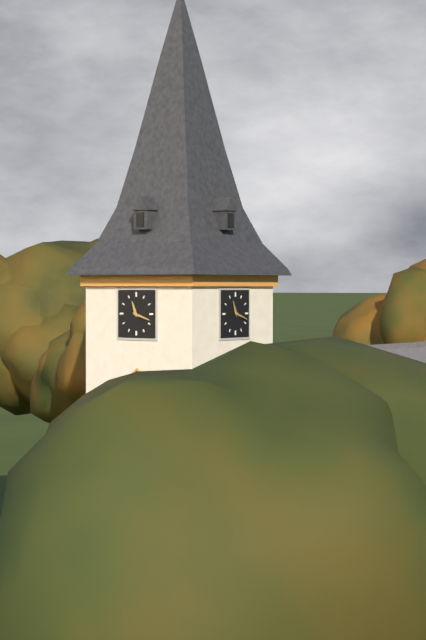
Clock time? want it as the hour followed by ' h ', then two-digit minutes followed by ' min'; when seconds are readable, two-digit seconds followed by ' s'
11 h 18 min
